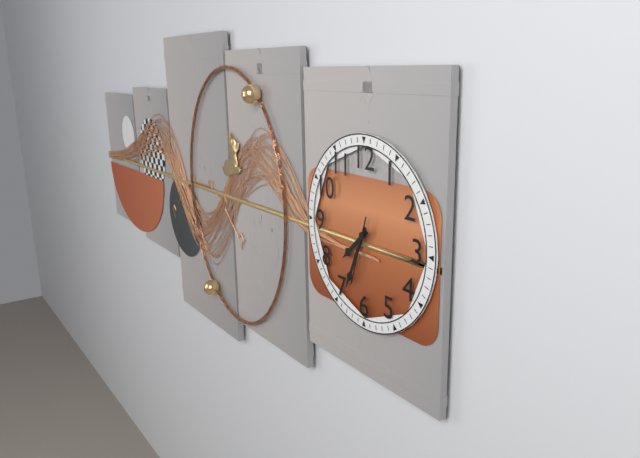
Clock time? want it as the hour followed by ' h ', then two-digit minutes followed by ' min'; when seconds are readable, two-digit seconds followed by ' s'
7 h 34 min 33 s
